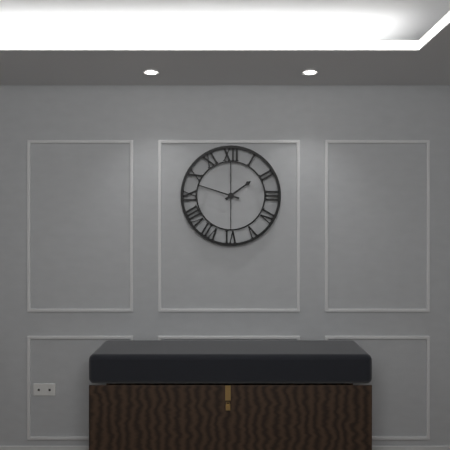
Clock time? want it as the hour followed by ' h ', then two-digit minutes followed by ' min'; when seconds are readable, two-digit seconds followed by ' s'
1 h 48 min
